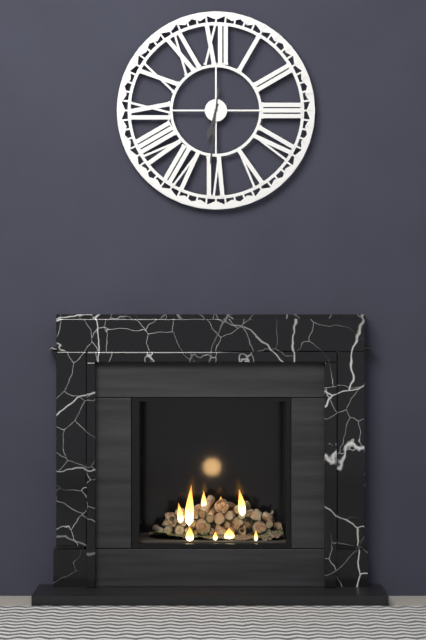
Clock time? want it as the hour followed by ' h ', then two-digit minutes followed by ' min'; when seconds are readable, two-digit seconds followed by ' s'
6 h 31 min
